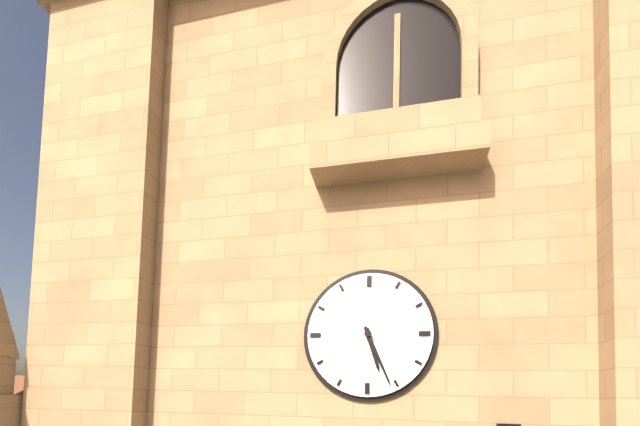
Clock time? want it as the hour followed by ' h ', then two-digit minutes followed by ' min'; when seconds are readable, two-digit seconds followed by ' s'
5 h 26 min
